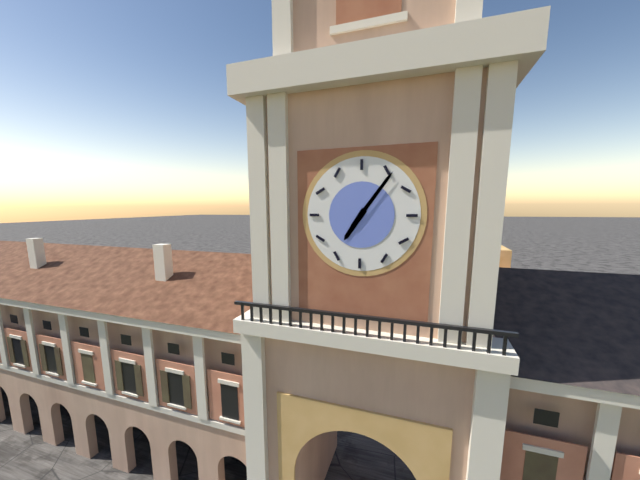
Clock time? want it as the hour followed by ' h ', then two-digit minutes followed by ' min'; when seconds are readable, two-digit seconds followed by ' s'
7 h 06 min
